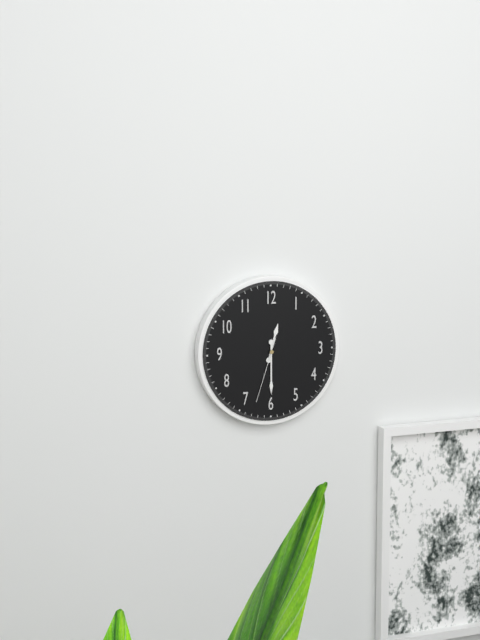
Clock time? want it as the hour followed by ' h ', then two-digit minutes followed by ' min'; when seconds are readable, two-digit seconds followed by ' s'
12 h 30 min 33 s
